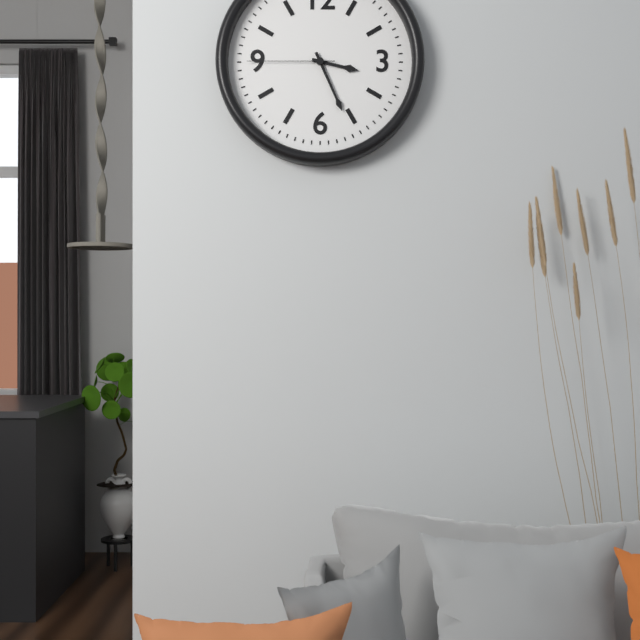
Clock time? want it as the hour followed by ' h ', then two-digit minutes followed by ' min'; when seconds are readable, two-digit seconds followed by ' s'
3 h 26 min 45 s
